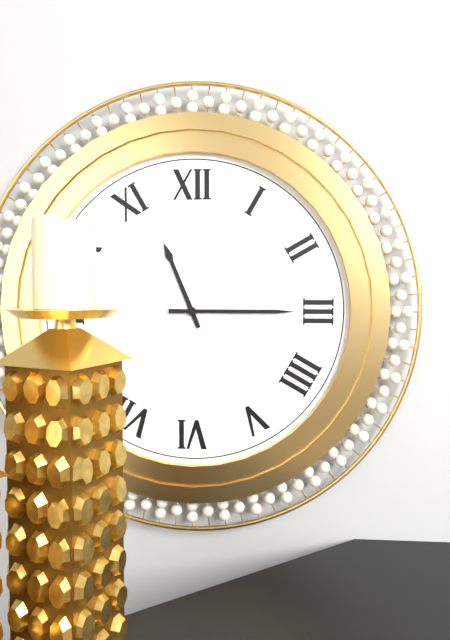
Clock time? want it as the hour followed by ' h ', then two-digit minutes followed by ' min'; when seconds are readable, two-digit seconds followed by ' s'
11 h 15 min
